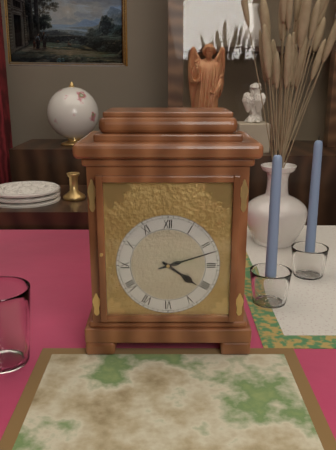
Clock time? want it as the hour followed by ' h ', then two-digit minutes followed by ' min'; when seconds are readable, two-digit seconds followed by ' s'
4 h 12 min
